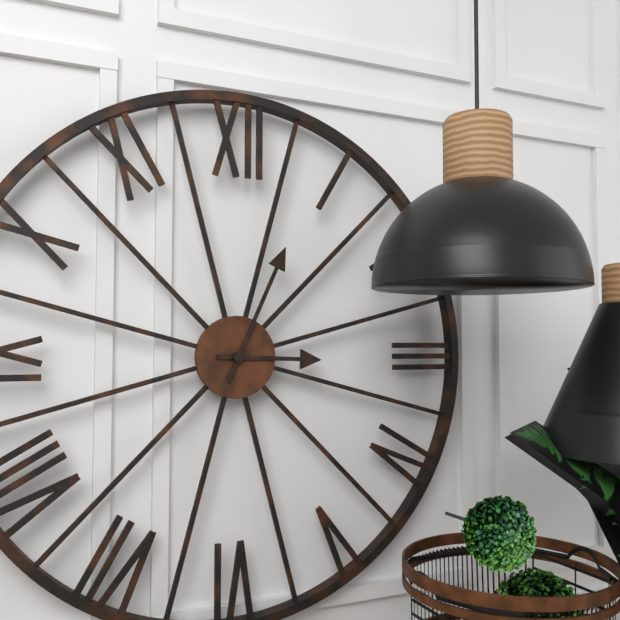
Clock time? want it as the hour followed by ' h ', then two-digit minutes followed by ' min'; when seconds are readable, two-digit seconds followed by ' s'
3 h 04 min
